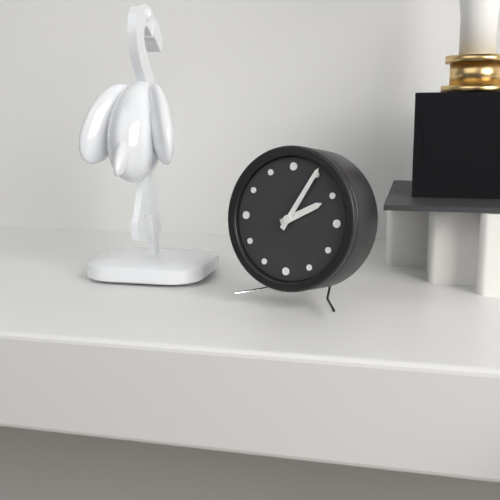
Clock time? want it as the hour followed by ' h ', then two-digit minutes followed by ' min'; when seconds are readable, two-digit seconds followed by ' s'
2 h 05 min
